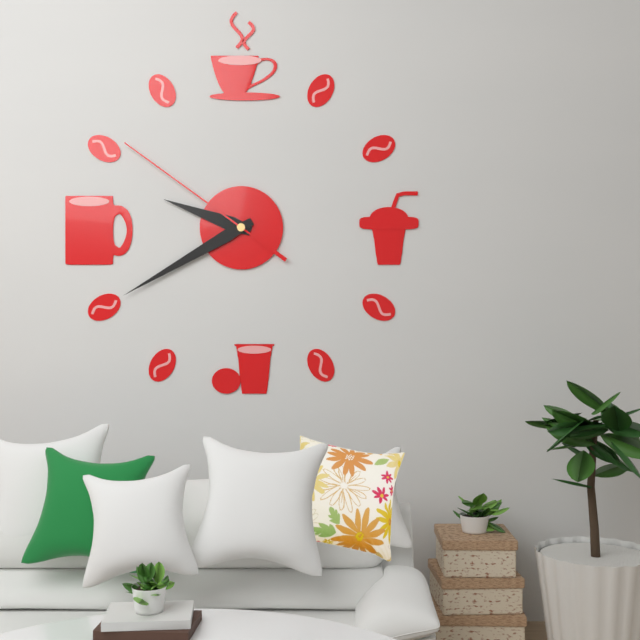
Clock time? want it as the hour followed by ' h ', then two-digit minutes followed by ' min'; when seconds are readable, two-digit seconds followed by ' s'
9 h 40 min 51 s
